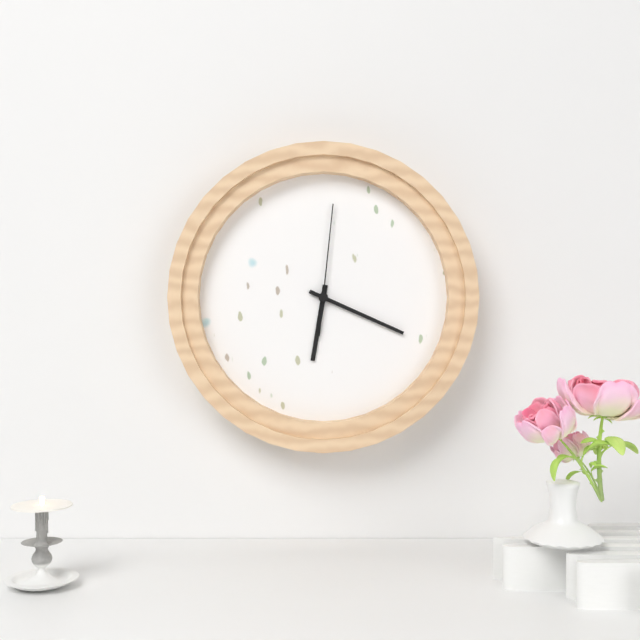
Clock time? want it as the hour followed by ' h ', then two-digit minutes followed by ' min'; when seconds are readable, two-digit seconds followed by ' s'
6 h 19 min 01 s
